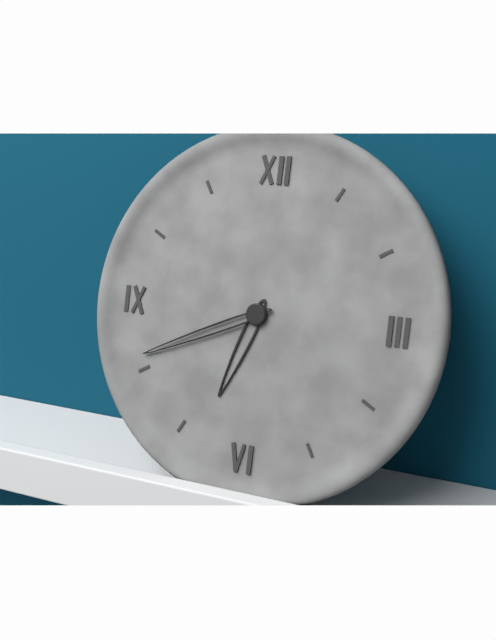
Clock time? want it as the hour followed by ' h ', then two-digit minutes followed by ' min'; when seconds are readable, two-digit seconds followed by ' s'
6 h 41 min
